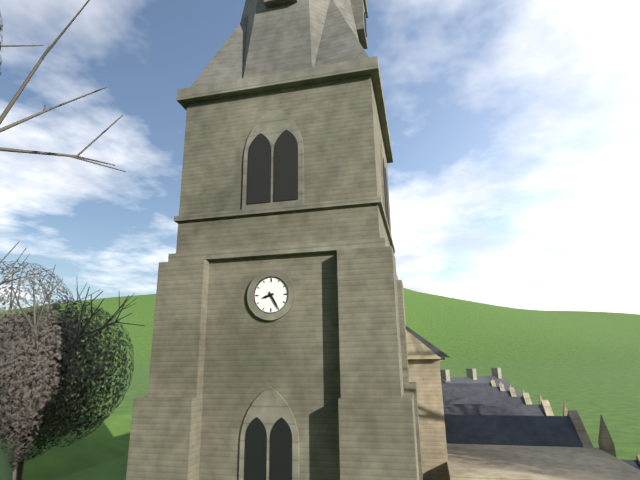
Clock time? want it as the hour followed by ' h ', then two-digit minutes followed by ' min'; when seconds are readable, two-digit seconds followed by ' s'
8 h 25 min
